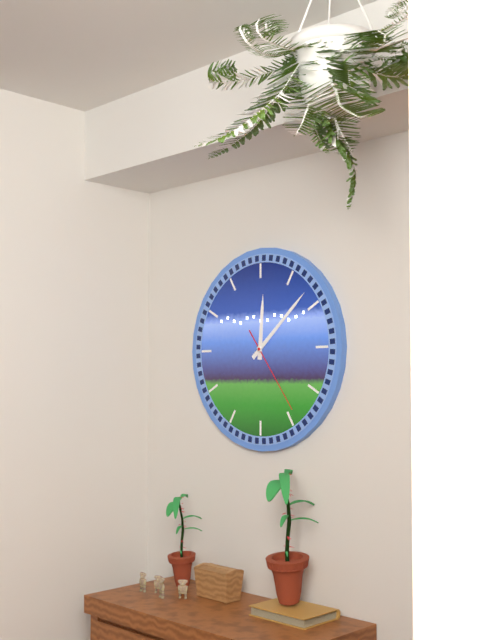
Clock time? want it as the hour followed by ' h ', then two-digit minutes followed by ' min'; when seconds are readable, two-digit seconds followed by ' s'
12 h 08 min 24 s
